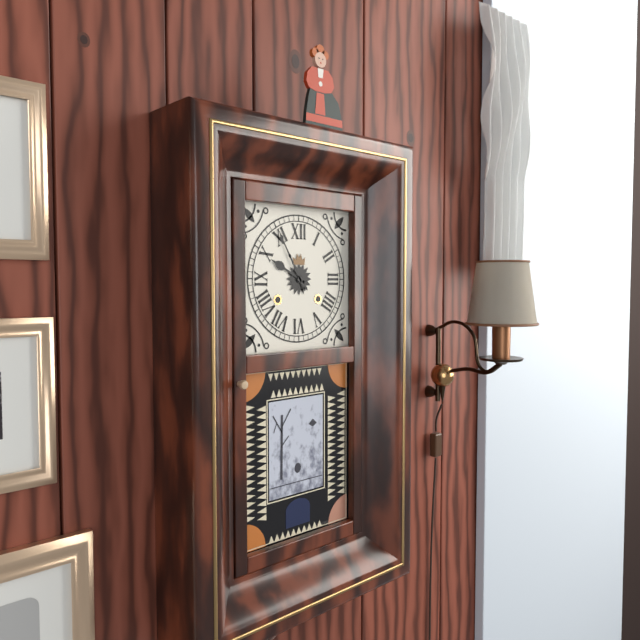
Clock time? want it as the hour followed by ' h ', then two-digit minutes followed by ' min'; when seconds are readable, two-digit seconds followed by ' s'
9 h 55 min
